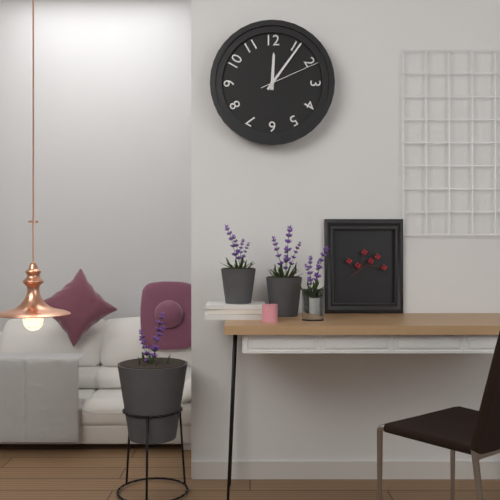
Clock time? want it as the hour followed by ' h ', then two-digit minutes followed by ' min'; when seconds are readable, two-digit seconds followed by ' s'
12 h 06 min 11 s
